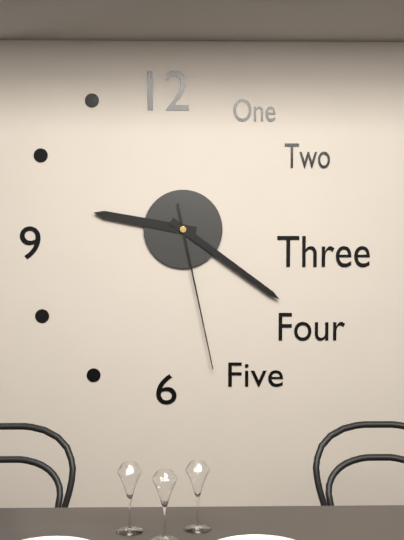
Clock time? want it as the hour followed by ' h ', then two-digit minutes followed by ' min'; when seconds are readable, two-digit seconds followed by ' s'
9 h 21 min 28 s
